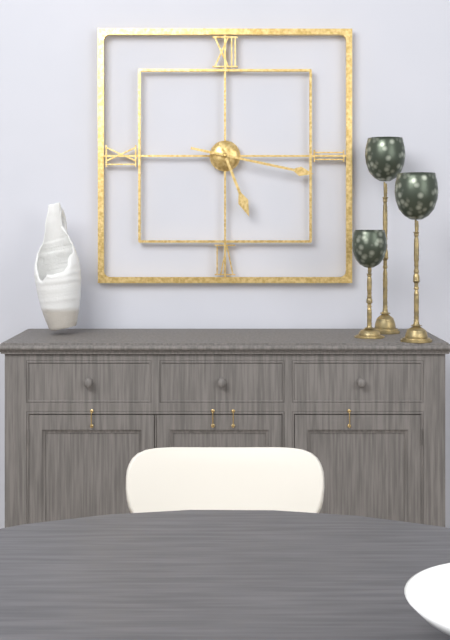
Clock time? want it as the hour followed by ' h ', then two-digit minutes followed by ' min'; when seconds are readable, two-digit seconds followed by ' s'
5 h 17 min
